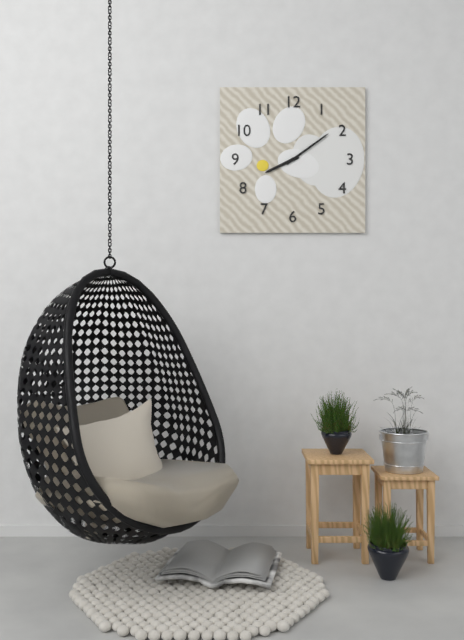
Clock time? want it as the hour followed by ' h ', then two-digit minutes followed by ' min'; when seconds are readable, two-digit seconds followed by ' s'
8 h 09 min
